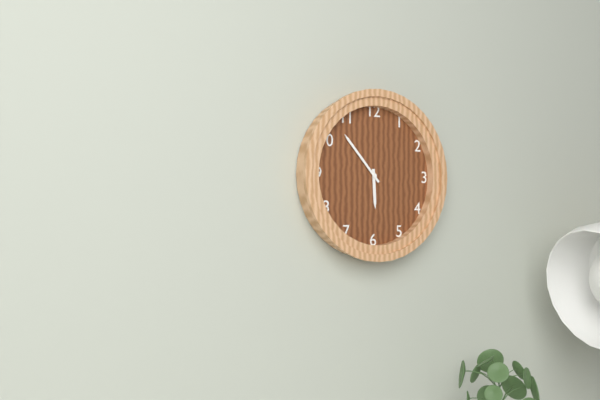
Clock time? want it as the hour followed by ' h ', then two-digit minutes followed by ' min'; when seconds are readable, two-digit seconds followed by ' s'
5 h 53 min
